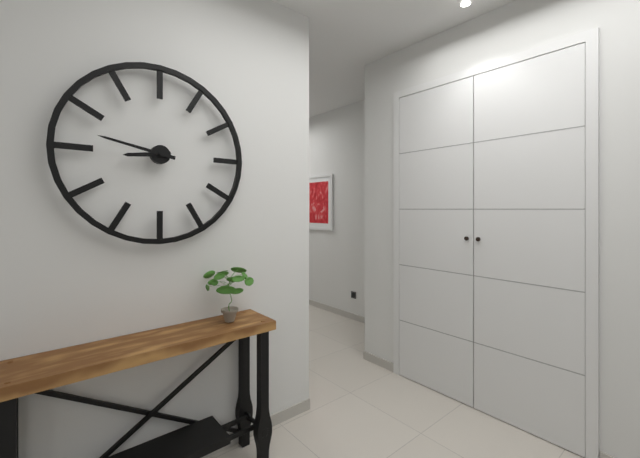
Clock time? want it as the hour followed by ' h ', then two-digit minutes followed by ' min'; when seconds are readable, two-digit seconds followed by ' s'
8 h 47 min
